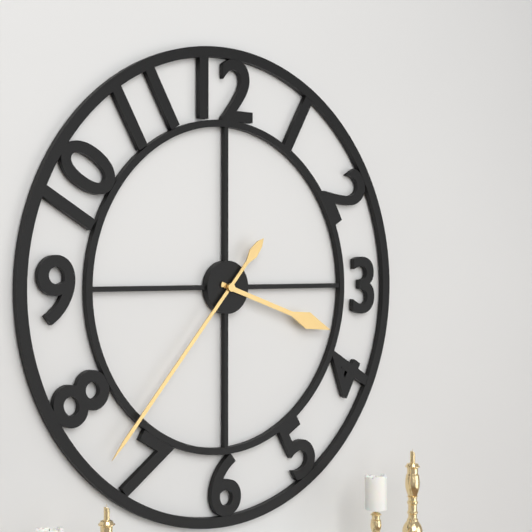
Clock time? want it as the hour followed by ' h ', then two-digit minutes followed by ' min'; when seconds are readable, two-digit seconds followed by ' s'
3 h 37 min
